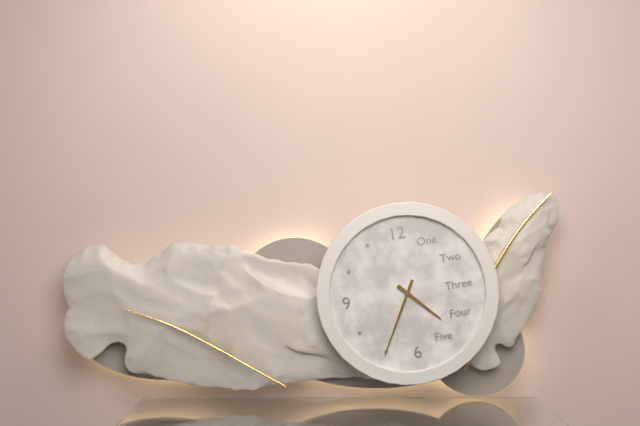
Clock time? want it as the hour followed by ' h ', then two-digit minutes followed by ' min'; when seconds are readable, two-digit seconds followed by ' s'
4 h 35 min
